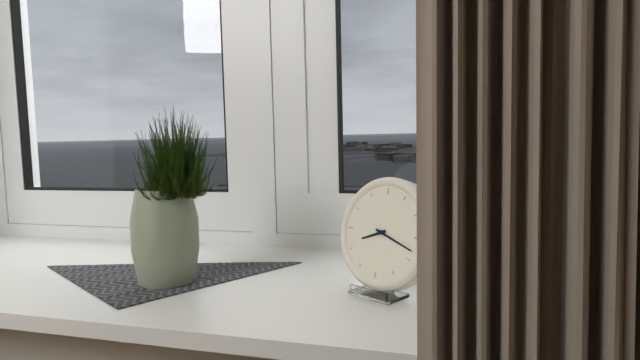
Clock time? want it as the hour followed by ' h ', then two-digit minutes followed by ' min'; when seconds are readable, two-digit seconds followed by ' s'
8 h 18 min
